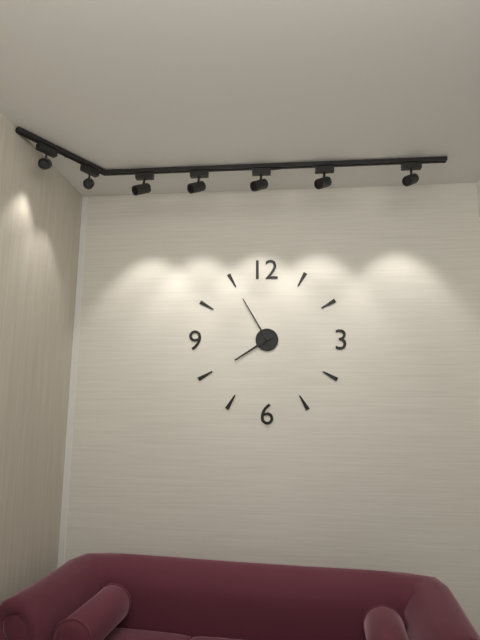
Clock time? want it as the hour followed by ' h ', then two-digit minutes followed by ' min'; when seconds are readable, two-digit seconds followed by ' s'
7 h 55 min
